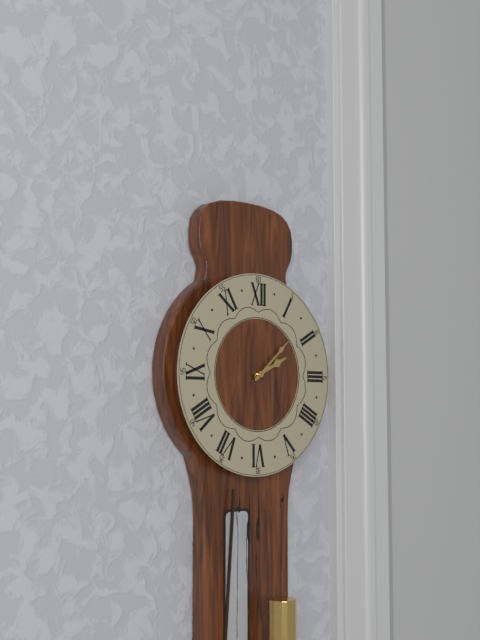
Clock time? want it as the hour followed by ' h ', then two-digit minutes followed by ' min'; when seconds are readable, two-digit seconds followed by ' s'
2 h 08 min
